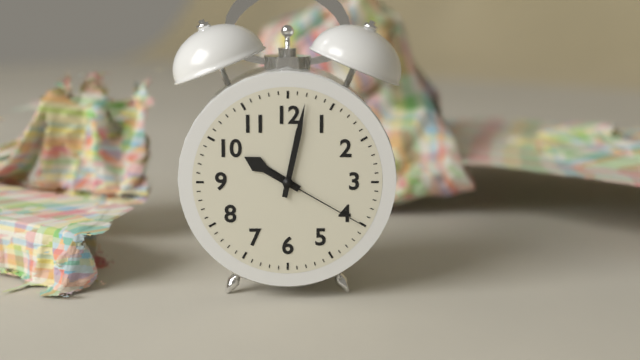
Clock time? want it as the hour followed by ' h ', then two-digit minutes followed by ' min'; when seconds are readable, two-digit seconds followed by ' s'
10 h 02 min 20 s
